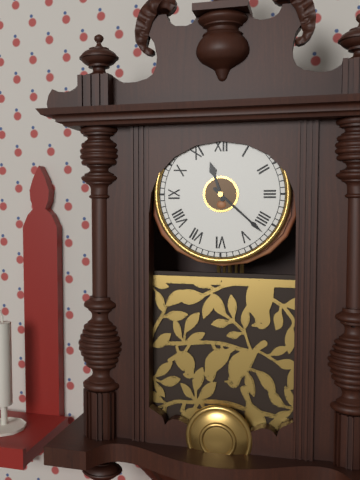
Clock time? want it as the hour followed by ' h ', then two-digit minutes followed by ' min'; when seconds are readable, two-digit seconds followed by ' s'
11 h 22 min
